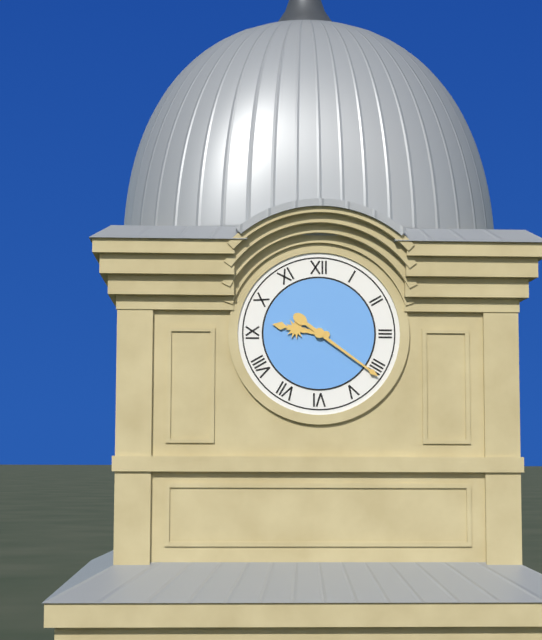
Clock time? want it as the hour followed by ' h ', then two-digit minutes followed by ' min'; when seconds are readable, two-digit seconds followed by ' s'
9 h 21 min
